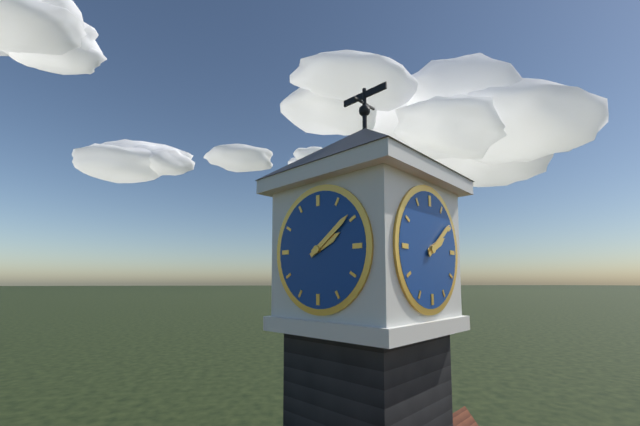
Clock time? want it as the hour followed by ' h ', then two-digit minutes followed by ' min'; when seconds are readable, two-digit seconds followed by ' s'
2 h 09 min
